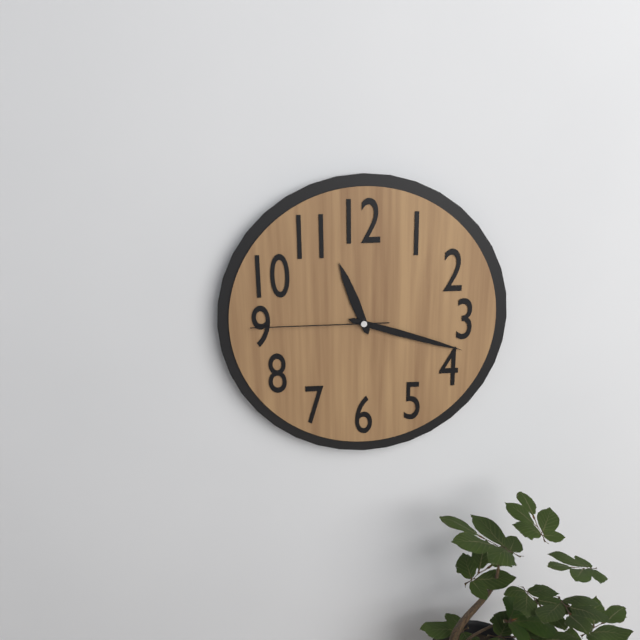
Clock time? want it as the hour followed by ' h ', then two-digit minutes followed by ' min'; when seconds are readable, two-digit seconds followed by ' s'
11 h 18 min 45 s
